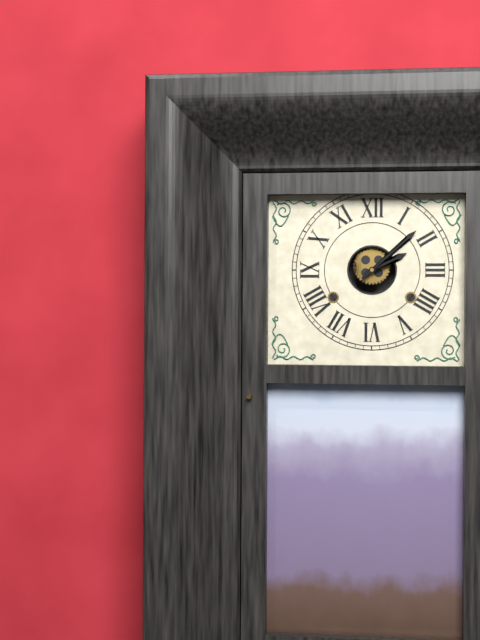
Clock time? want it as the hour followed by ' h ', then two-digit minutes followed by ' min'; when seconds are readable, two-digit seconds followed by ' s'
2 h 08 min
